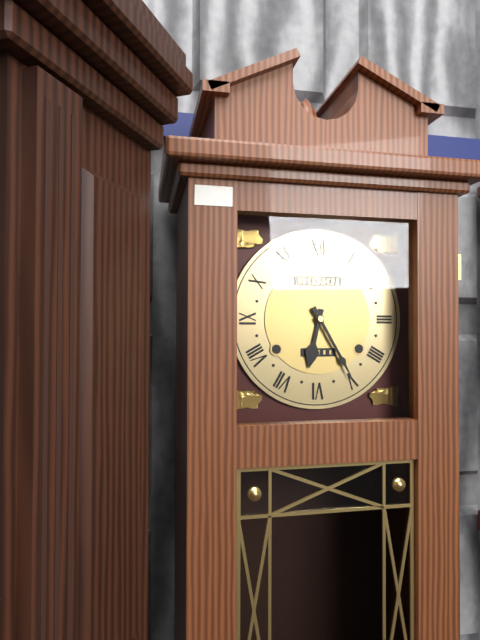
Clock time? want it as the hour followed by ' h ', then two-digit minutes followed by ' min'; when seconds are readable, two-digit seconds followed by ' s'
6 h 25 min
